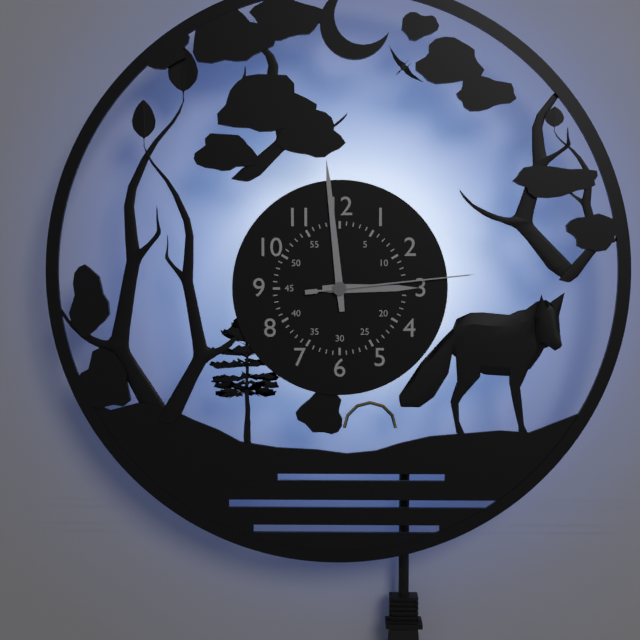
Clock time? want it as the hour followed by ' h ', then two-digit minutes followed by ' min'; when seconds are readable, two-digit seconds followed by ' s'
2 h 59 min 14 s
